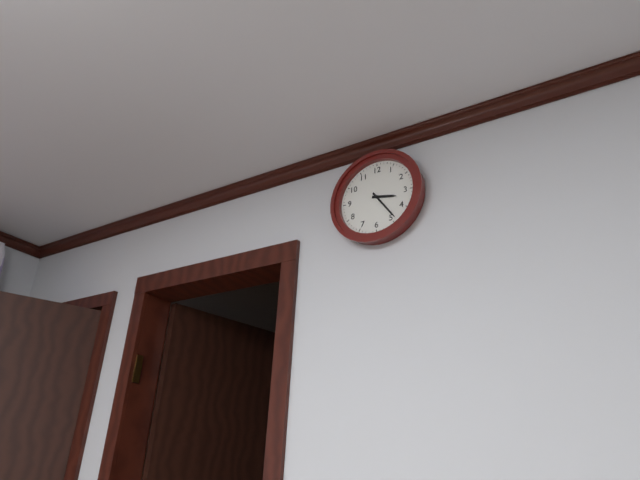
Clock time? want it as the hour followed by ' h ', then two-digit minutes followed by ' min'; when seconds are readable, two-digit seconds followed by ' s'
3 h 24 min
